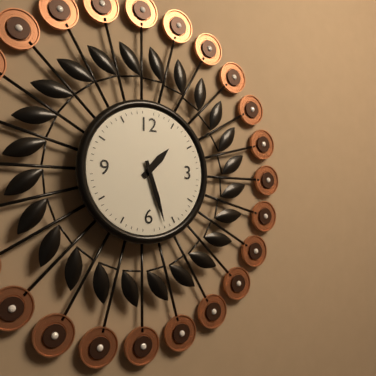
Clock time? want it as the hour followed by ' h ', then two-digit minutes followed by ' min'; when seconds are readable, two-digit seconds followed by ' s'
1 h 27 min
